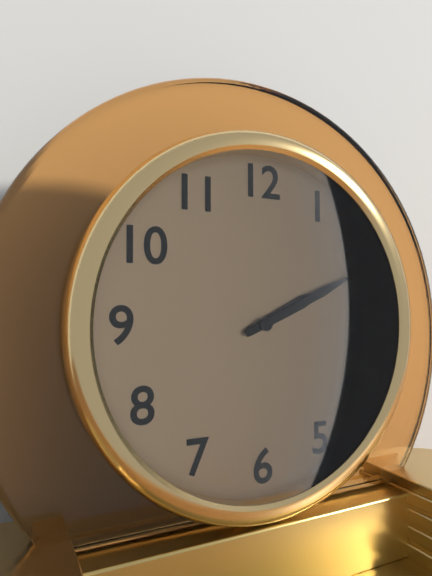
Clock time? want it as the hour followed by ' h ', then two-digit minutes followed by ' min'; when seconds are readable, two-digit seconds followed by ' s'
2 h 11 min
